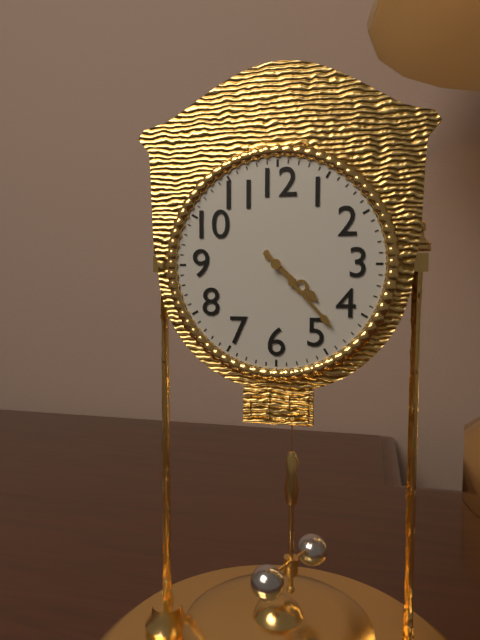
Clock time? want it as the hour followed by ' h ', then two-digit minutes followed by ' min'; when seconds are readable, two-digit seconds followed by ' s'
4 h 23 min
